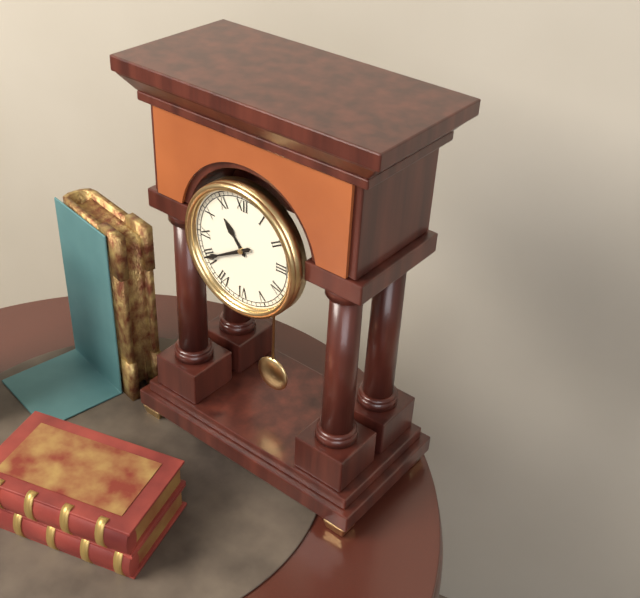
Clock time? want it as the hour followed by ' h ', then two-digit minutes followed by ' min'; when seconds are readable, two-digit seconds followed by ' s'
10 h 40 min
